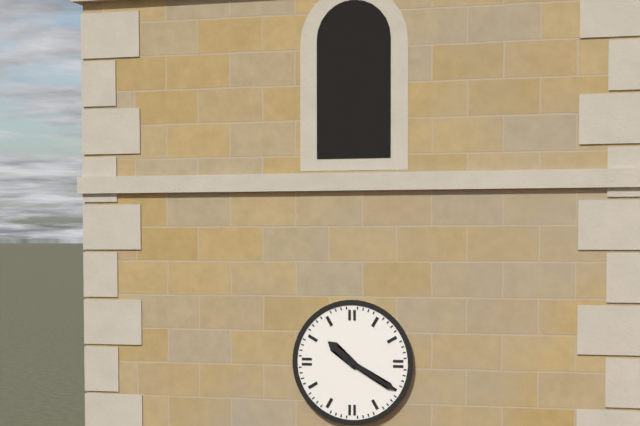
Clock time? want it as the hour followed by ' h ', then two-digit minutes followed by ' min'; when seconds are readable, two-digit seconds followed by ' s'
10 h 20 min
